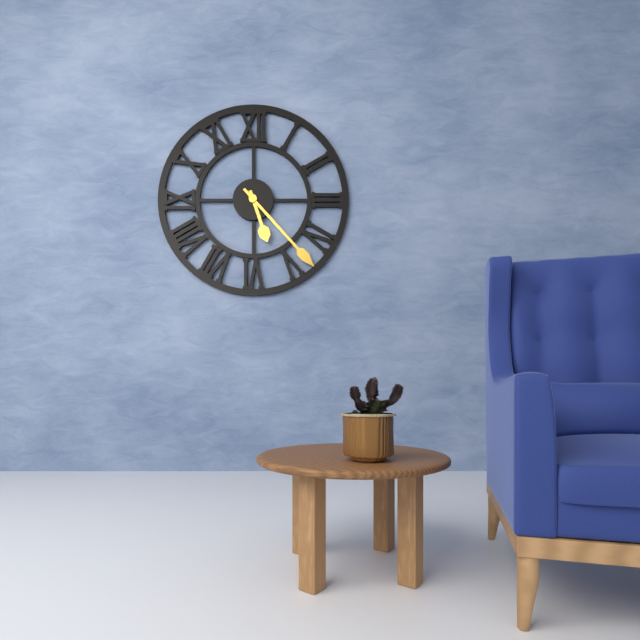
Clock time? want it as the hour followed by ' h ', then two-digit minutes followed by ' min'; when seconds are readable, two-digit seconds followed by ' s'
5 h 23 min
